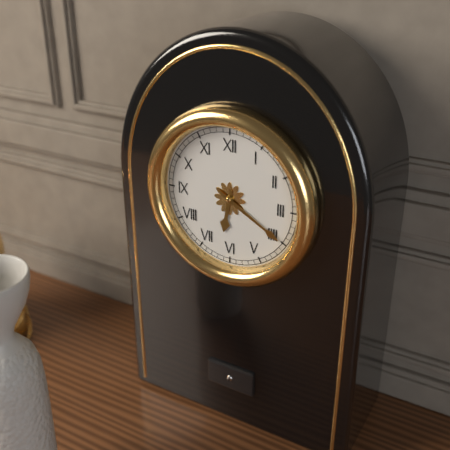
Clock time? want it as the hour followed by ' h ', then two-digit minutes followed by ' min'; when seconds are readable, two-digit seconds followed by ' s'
6 h 20 min
